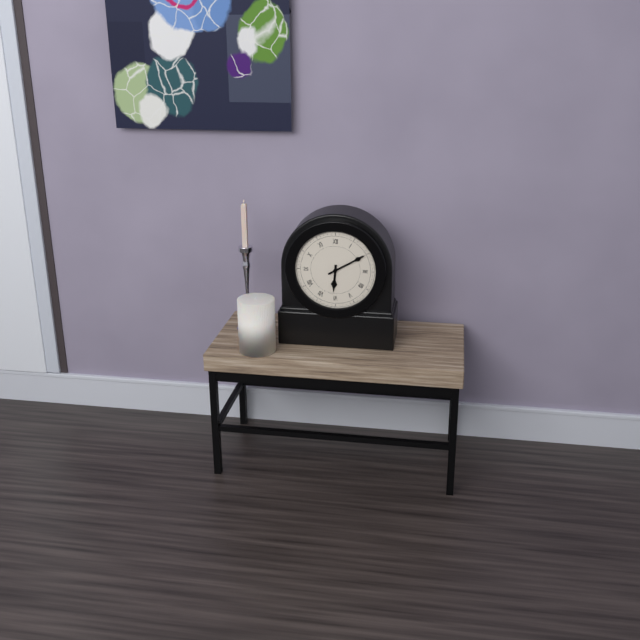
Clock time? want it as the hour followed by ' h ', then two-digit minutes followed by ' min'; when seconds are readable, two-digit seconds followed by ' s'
6 h 10 min
